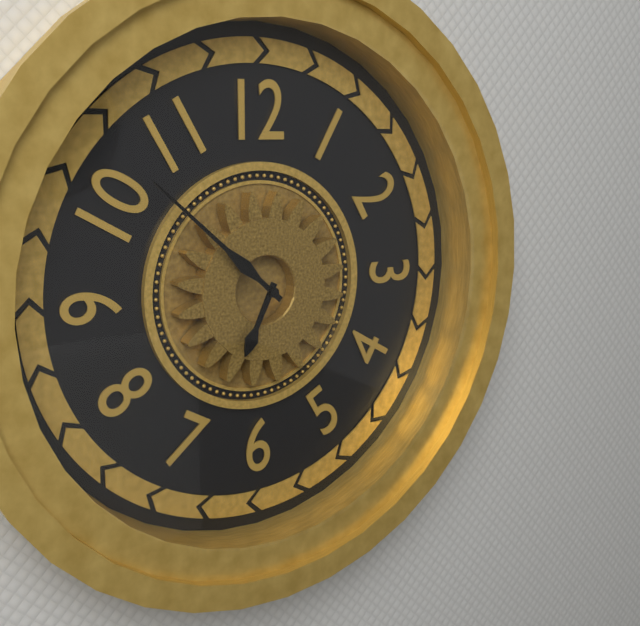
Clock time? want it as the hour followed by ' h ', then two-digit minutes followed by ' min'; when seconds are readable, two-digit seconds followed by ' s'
6 h 52 min
